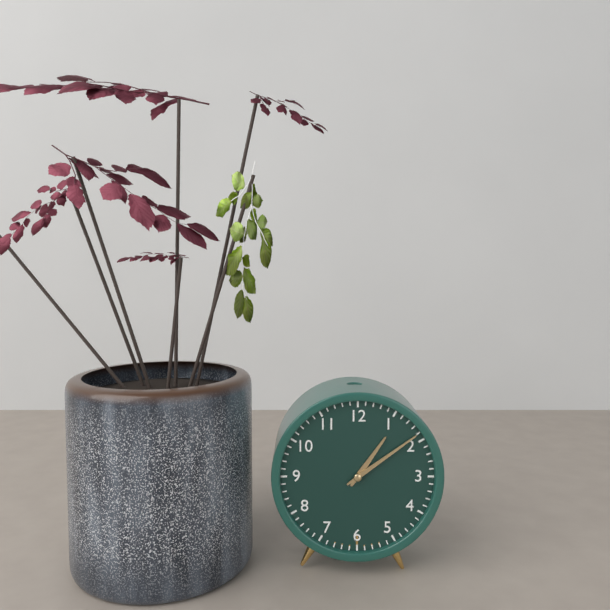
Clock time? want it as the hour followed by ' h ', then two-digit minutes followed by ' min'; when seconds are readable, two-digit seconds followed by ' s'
1 h 09 min
